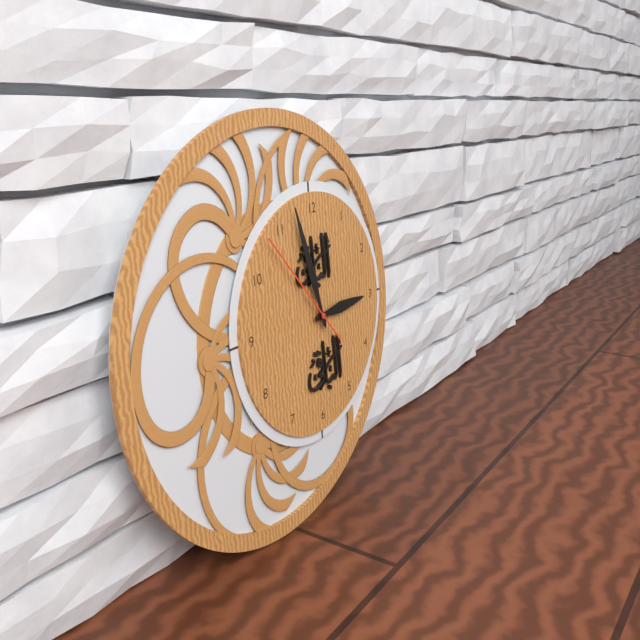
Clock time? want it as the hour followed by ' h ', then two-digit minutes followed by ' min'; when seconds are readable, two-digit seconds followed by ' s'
2 h 57 min 53 s
